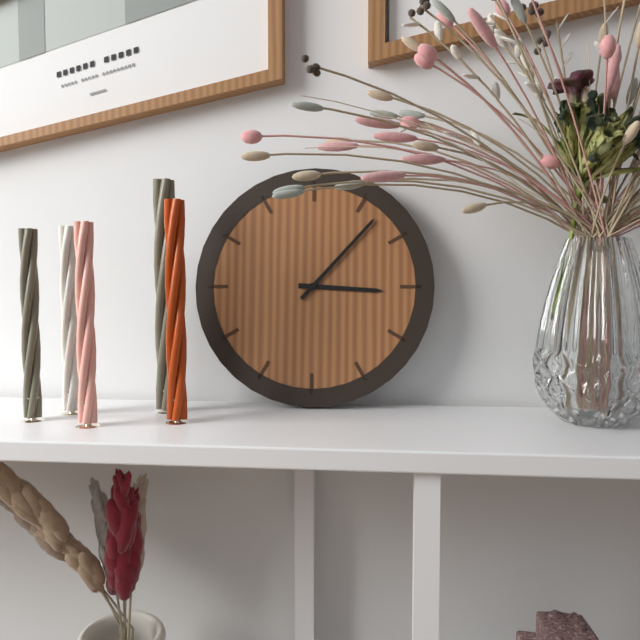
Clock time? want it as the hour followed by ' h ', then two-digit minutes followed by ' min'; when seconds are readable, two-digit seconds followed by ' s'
3 h 07 min
